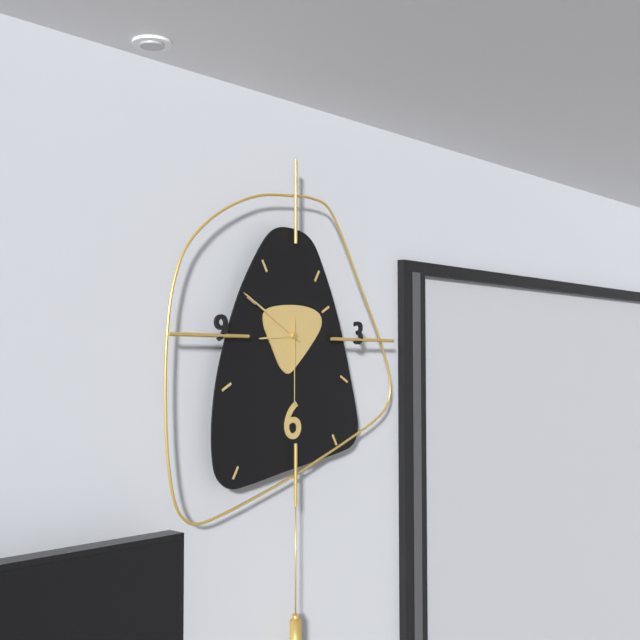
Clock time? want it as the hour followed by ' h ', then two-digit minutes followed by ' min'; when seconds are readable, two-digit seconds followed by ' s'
8 h 50 min 30 s
